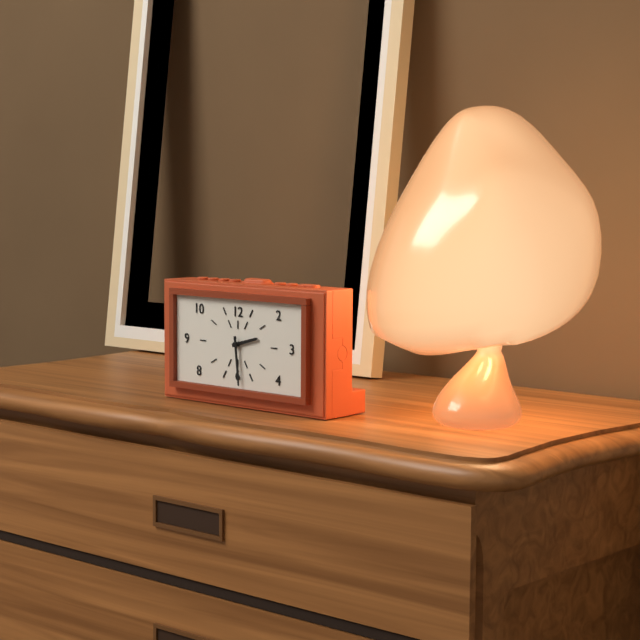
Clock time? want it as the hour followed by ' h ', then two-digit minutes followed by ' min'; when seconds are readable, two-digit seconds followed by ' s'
2 h 29 min
